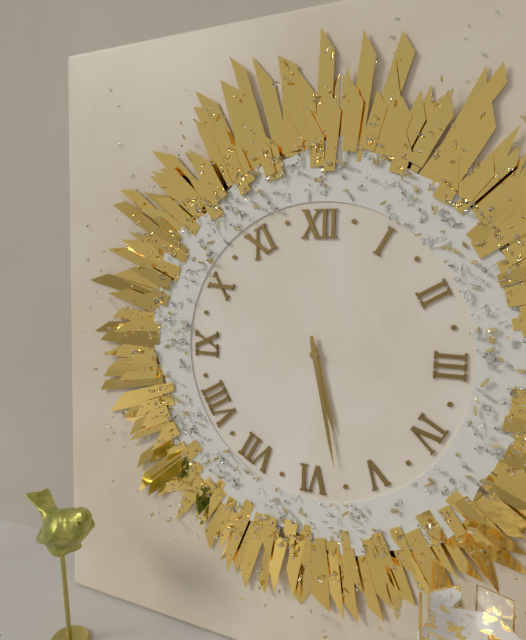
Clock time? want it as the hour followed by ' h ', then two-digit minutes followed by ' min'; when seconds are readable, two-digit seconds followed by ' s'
5 h 28 min
